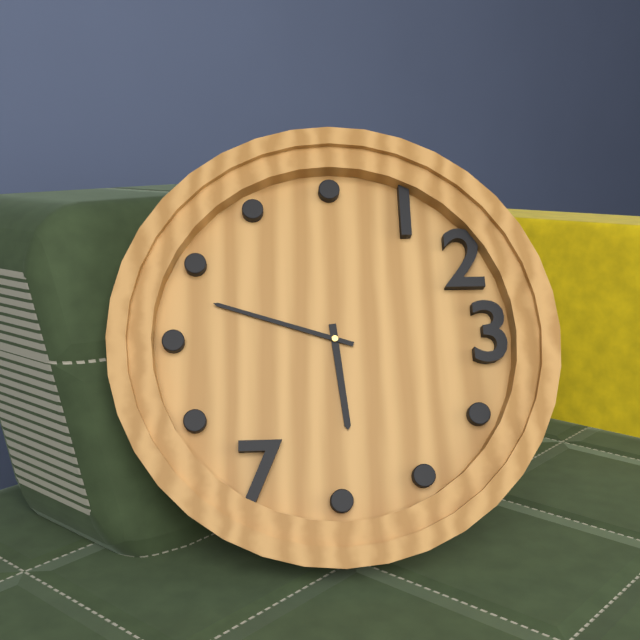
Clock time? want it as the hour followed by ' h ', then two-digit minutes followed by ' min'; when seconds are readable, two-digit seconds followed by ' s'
5 h 48 min
